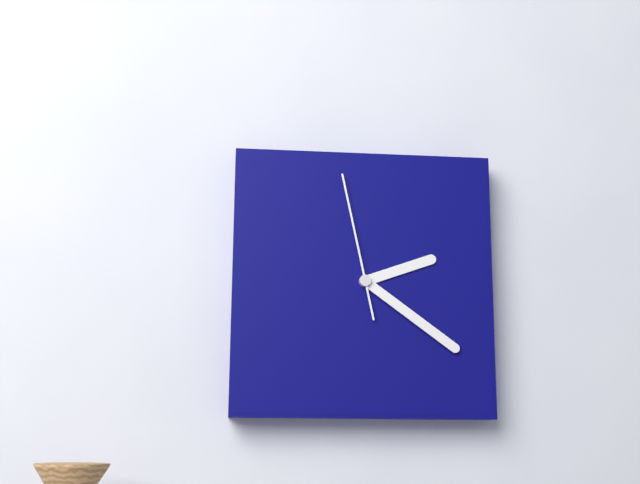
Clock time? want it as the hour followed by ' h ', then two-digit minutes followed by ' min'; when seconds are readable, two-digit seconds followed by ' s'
2 h 21 min 58 s
